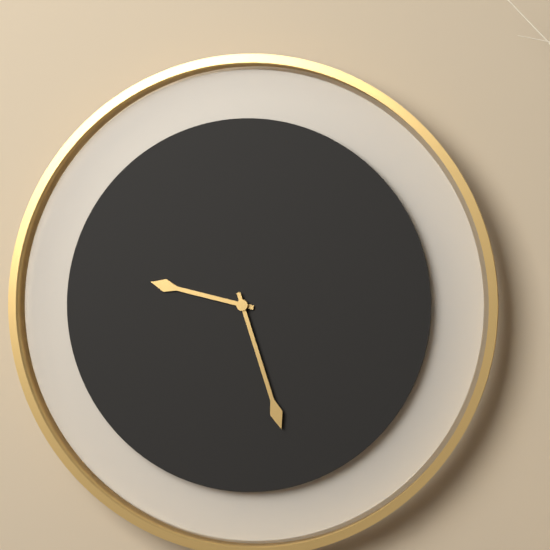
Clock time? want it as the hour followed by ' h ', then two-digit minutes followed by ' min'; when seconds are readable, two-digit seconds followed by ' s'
9 h 27 min
